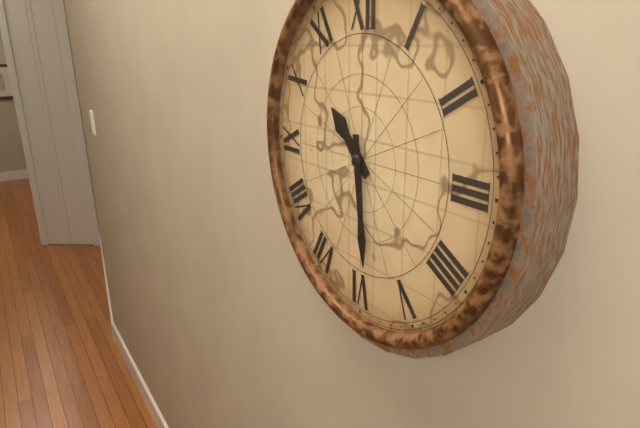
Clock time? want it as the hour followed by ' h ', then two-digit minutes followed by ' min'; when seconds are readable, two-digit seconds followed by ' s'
10 h 29 min
